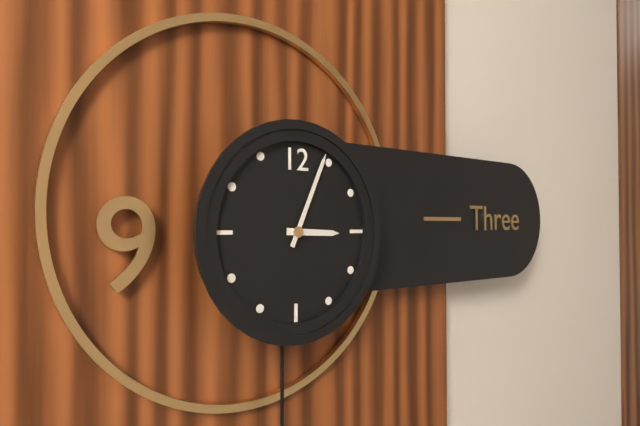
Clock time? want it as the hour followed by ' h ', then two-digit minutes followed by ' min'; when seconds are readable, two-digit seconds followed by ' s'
3 h 04 min
